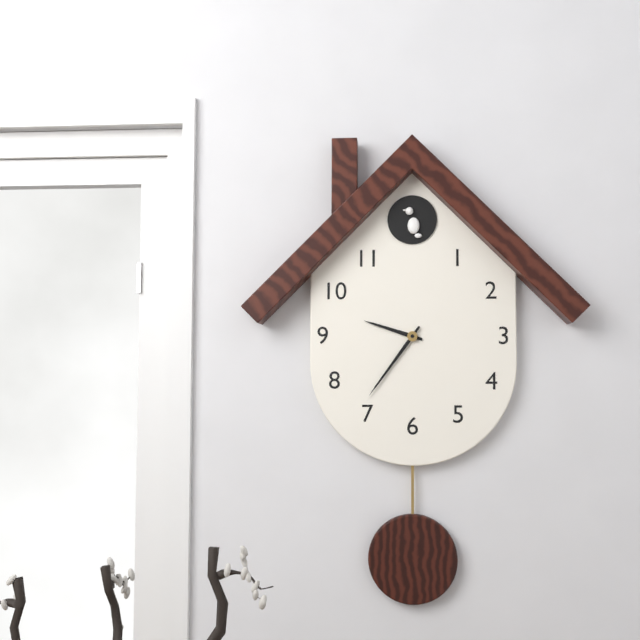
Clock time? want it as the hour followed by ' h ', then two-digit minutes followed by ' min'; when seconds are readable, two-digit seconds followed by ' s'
9 h 36 min
